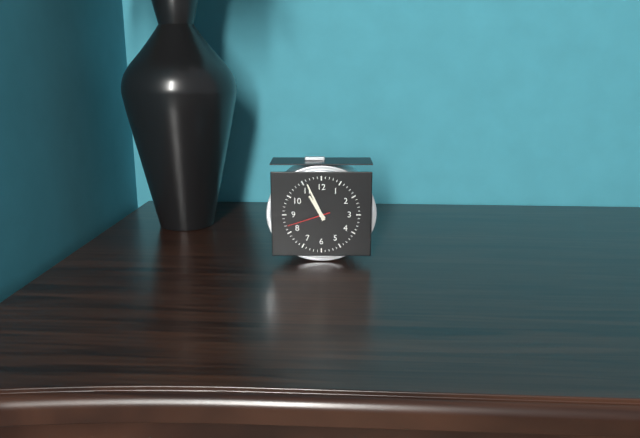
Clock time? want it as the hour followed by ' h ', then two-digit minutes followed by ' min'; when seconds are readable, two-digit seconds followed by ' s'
10 h 56 min
